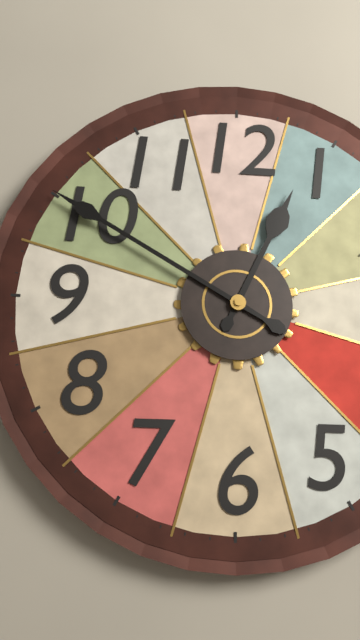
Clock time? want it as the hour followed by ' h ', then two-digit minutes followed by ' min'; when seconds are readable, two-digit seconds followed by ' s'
12 h 50 min
